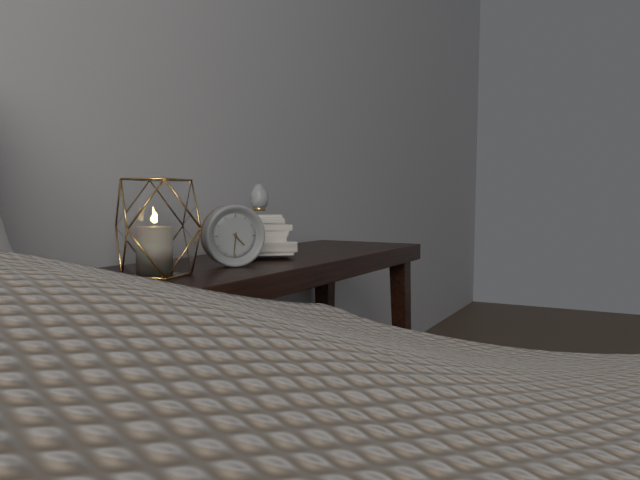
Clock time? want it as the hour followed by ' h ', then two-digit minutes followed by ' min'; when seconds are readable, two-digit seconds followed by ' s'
4 h 31 min
